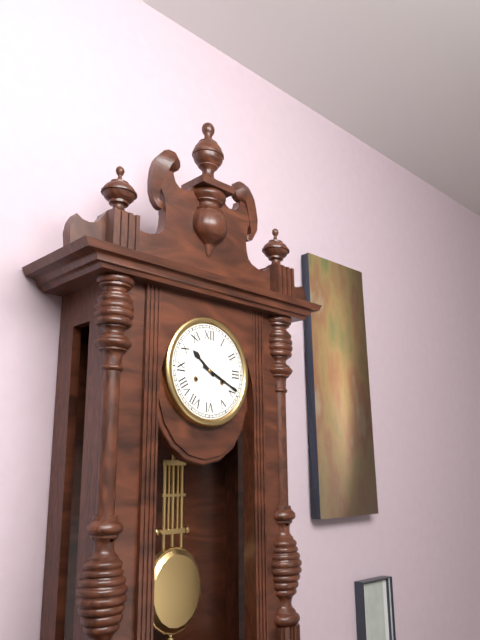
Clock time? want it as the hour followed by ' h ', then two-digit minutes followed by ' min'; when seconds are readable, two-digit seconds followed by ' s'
10 h 19 min
